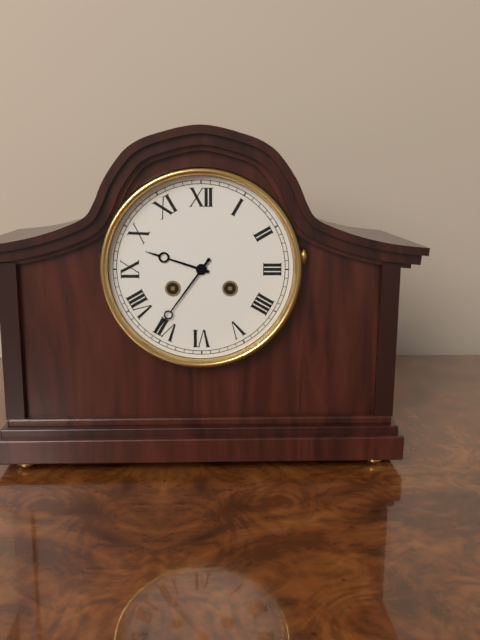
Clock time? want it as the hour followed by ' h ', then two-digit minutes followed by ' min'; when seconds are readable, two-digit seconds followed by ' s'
9 h 36 min
